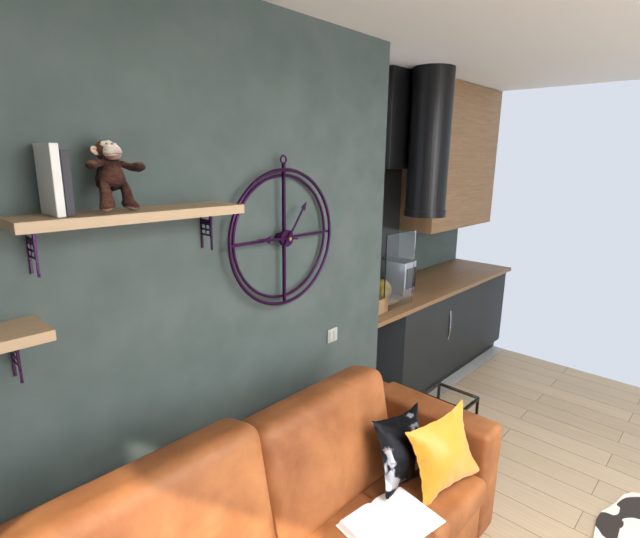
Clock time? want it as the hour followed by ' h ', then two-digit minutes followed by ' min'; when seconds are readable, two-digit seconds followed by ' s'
9 h 06 min
